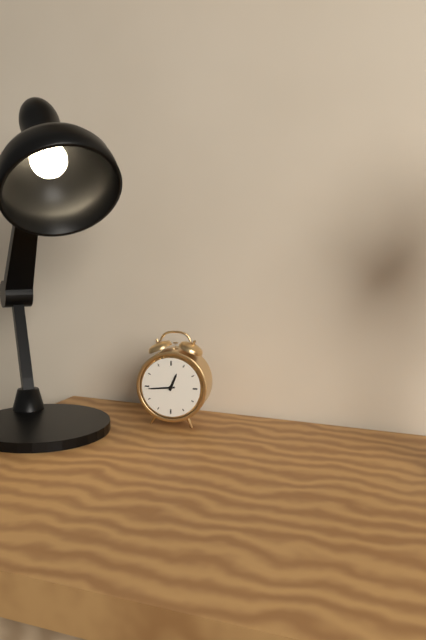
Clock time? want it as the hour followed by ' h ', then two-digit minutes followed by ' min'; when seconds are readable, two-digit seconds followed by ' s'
12 h 44 min
